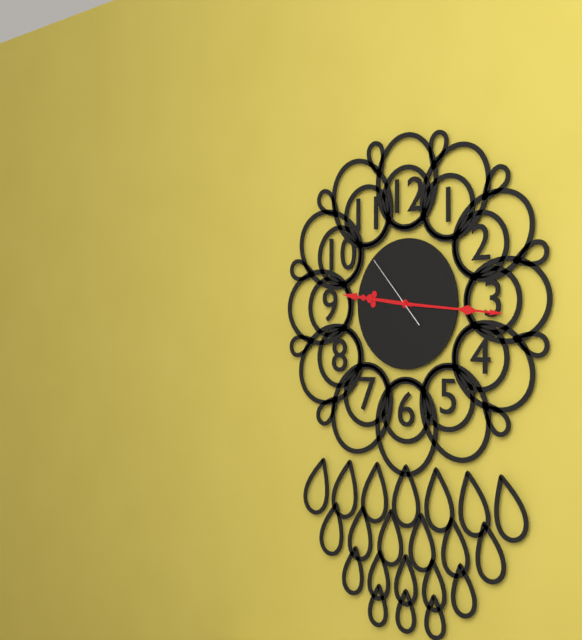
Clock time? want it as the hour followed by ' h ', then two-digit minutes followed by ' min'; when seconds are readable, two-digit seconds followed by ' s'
9 h 16 min 53 s
